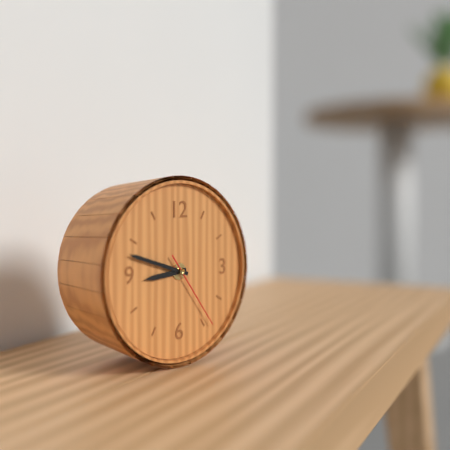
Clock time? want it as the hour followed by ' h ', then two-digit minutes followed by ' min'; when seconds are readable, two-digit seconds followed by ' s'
8 h 48 min 24 s
